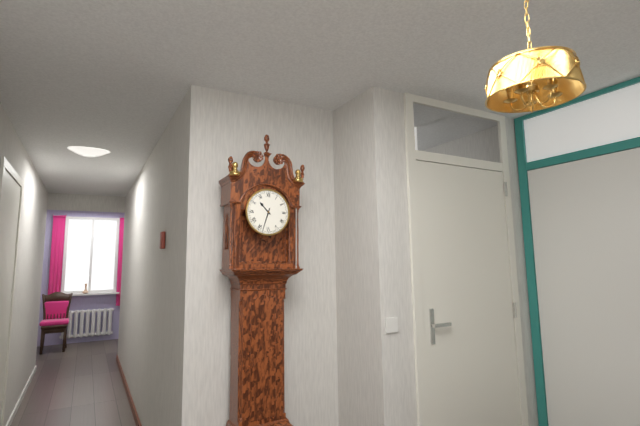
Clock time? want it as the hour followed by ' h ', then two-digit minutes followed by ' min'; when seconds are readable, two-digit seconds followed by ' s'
10 h 33 min
